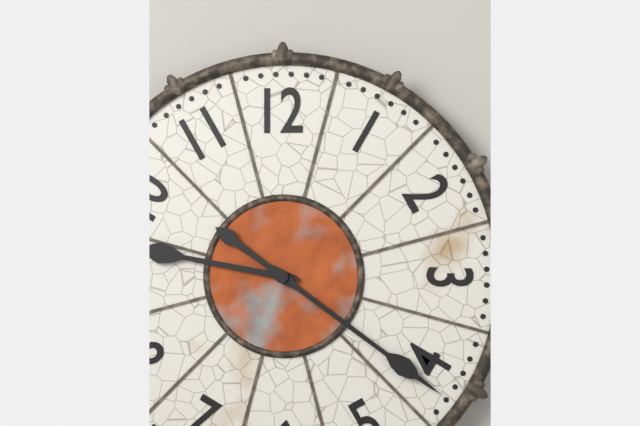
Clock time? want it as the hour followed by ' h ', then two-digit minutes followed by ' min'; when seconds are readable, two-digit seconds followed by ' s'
9 h 21 min
